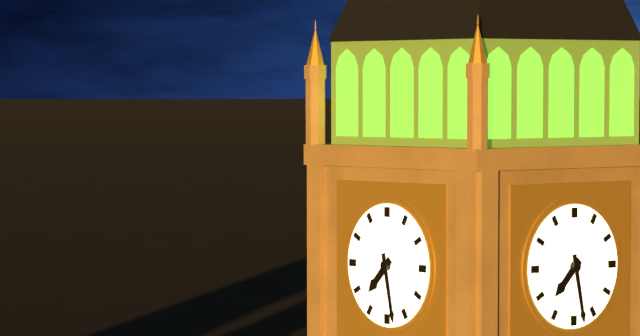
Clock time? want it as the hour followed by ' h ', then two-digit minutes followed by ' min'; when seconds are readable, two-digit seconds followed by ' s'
7 h 28 min
